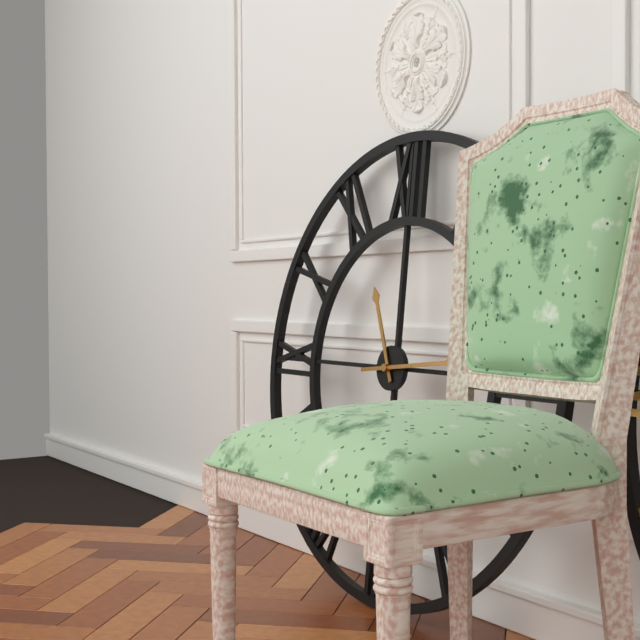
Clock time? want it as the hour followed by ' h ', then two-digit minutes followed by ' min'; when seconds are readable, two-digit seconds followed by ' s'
11 h 14 min
